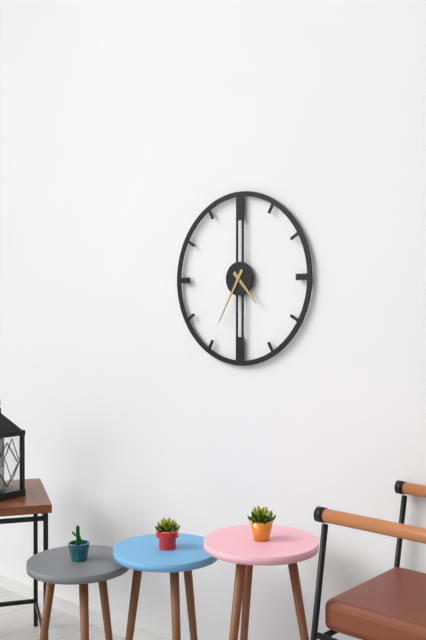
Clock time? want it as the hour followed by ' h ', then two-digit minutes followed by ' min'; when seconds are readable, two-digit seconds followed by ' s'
4 h 35 min
